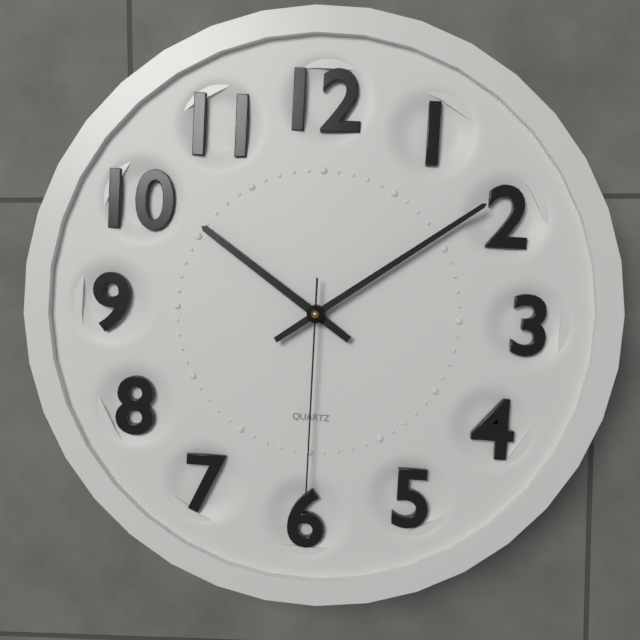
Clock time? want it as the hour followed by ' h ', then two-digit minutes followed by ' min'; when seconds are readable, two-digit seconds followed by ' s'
10 h 09 min 30 s
